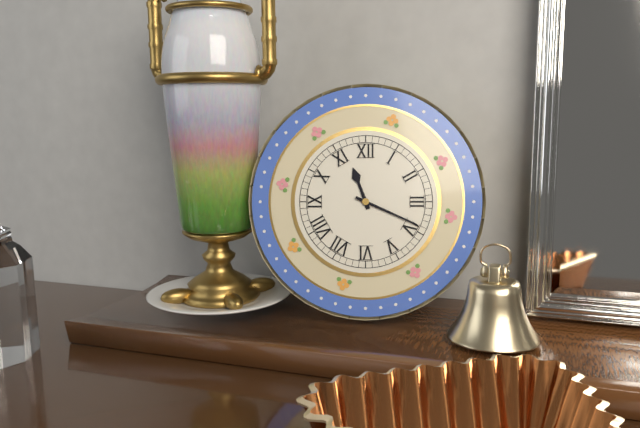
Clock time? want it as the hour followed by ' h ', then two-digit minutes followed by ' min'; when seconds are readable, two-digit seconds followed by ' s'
11 h 19 min
